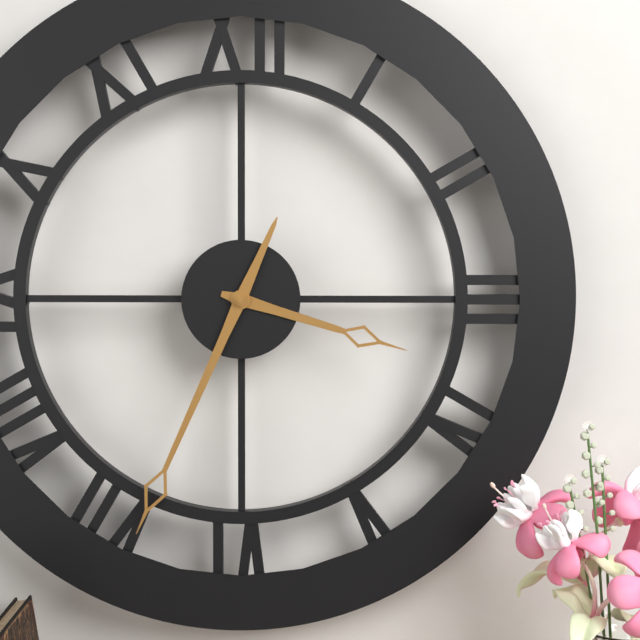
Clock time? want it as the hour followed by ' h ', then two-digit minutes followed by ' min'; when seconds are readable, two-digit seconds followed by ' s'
3 h 34 min
